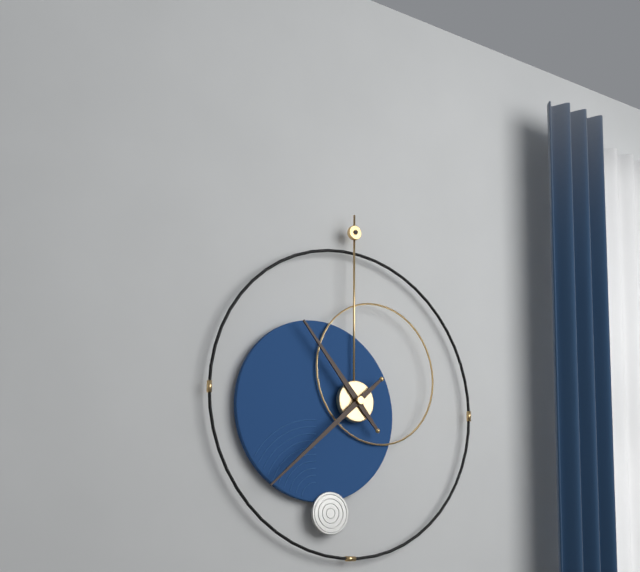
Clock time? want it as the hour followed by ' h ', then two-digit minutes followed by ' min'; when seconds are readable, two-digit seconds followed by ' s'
10 h 38 min
